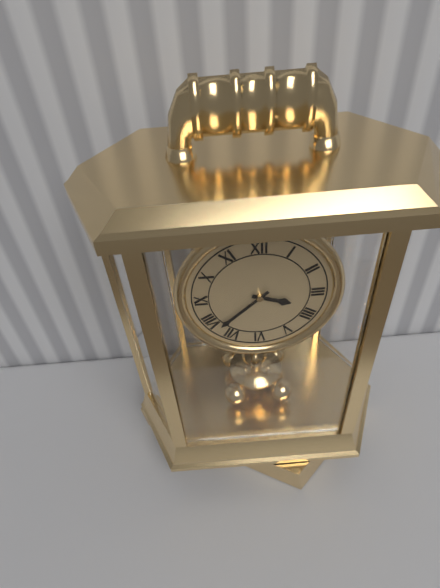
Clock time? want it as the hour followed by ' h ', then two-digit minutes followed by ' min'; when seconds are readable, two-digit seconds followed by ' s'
3 h 38 min
